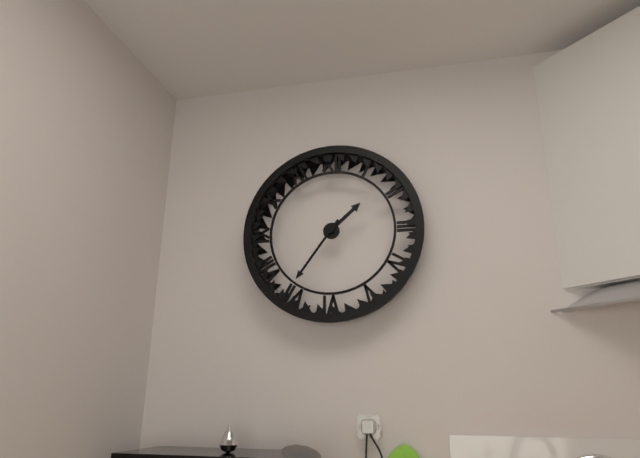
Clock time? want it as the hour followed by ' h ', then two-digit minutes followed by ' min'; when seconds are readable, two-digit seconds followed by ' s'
1 h 36 min
